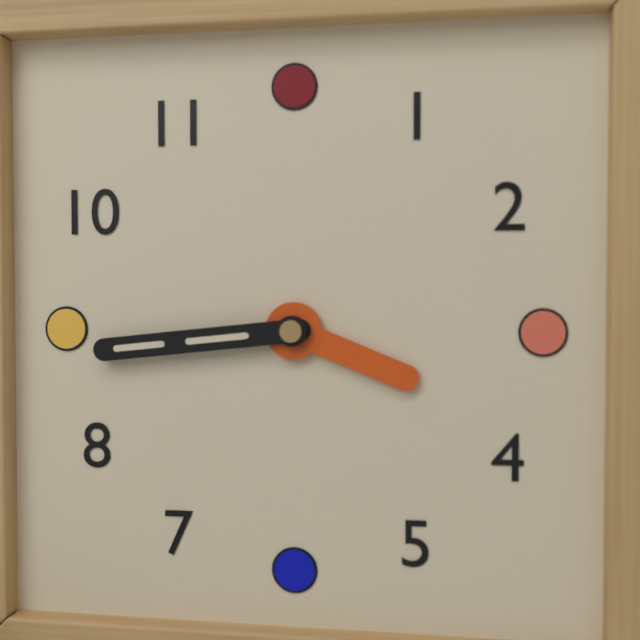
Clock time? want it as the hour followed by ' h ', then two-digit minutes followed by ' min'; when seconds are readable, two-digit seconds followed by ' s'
3 h 44 min
